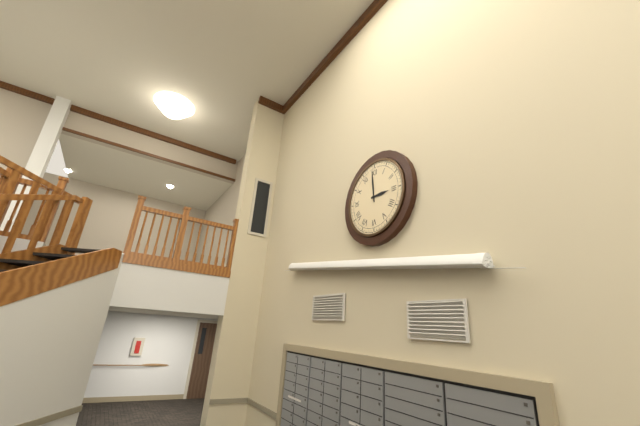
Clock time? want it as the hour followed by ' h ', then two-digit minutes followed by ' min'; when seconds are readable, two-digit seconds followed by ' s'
2 h 59 min
